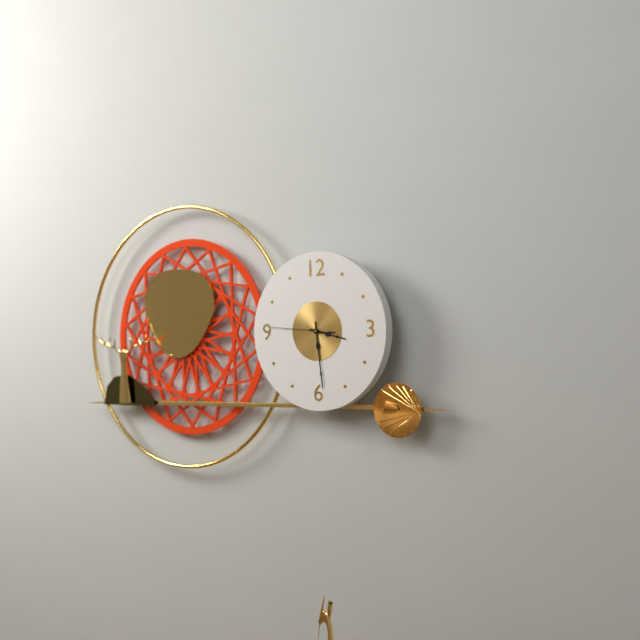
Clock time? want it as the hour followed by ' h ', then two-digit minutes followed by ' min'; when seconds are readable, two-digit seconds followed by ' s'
3 h 29 min 46 s
